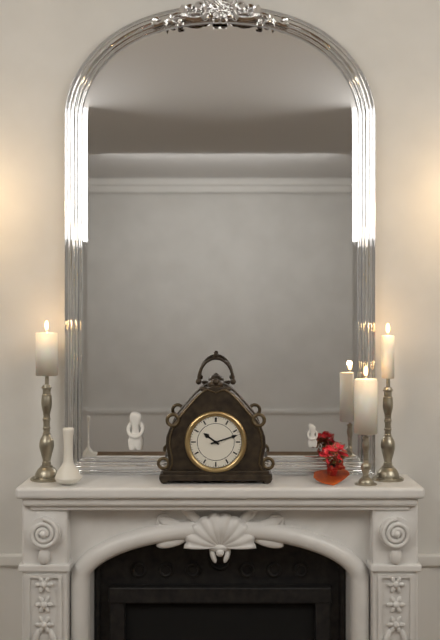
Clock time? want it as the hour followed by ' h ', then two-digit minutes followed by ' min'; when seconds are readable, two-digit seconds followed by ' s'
10 h 12 min
